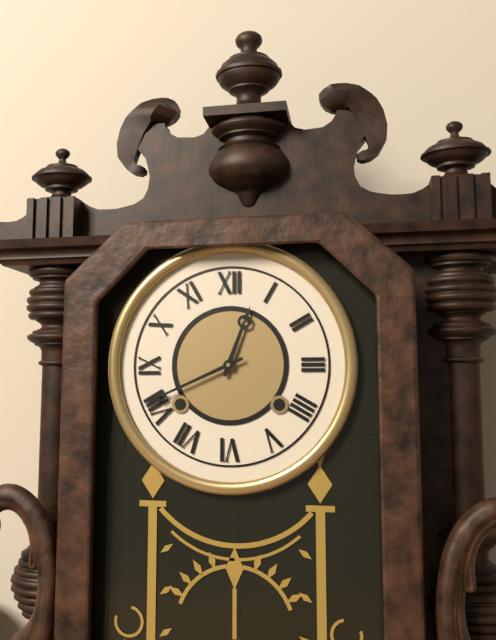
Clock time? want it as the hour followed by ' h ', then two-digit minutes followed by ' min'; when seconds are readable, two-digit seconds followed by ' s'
12 h 41 min
